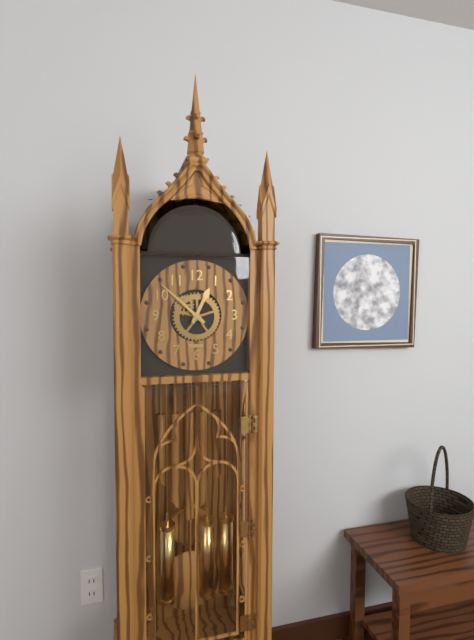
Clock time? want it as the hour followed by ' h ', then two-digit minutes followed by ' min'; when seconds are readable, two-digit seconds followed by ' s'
12 h 52 min
